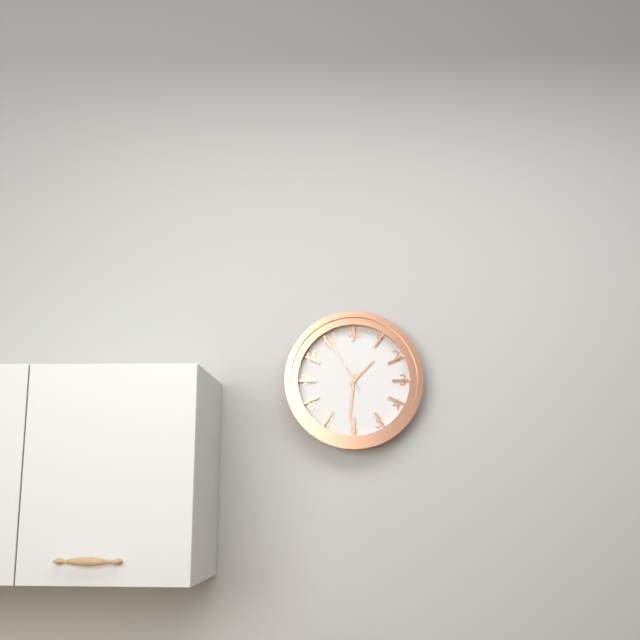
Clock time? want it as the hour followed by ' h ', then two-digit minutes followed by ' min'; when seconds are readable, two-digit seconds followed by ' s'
1 h 31 min 55 s
